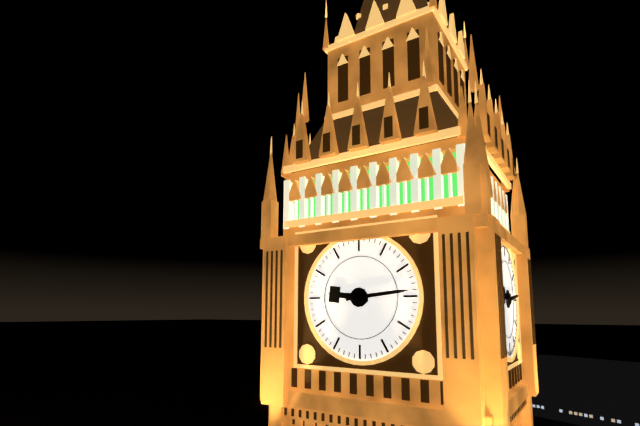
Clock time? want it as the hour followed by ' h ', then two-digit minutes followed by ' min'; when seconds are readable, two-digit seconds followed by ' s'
9 h 14 min
